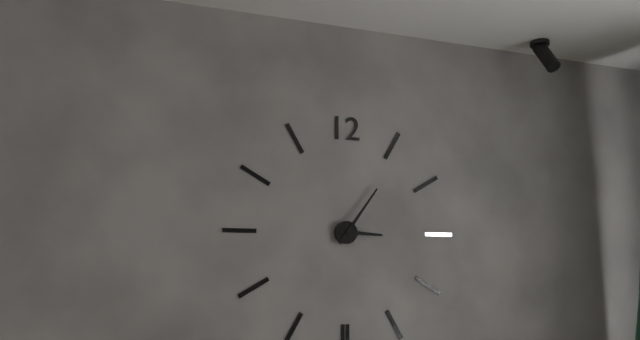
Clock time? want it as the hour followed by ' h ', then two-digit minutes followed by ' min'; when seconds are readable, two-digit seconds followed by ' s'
3 h 06 min
